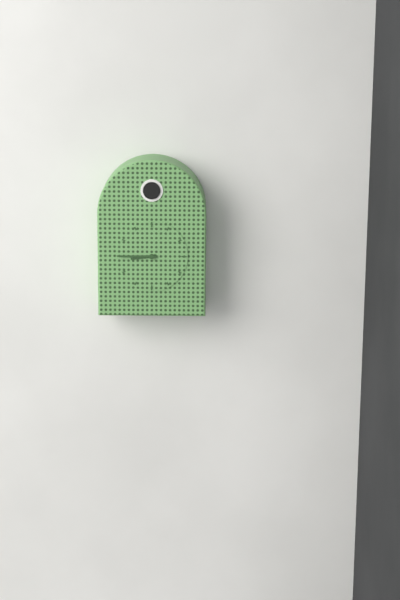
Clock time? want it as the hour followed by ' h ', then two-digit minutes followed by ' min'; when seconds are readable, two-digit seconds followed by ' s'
8 h 45 min
